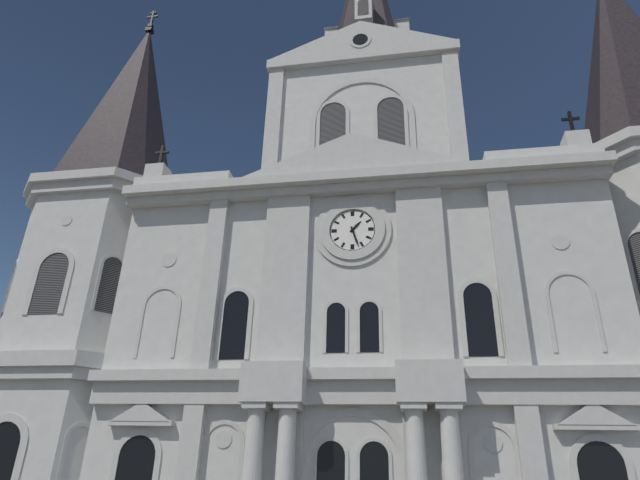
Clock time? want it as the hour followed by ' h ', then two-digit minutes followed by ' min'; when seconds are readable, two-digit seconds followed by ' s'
1 h 27 min
